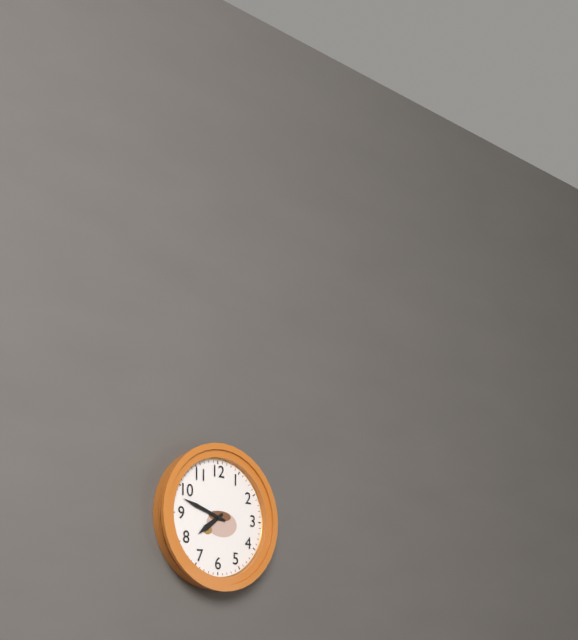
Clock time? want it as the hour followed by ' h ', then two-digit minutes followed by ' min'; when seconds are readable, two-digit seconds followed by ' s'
7 h 48 min
